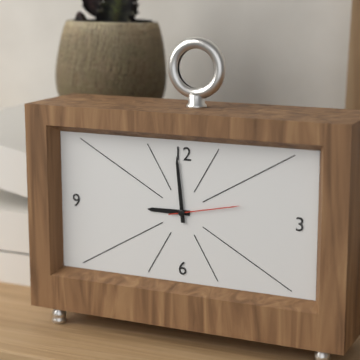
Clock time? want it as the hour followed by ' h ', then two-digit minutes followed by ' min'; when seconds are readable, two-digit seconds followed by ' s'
8 h 59 min 13 s
